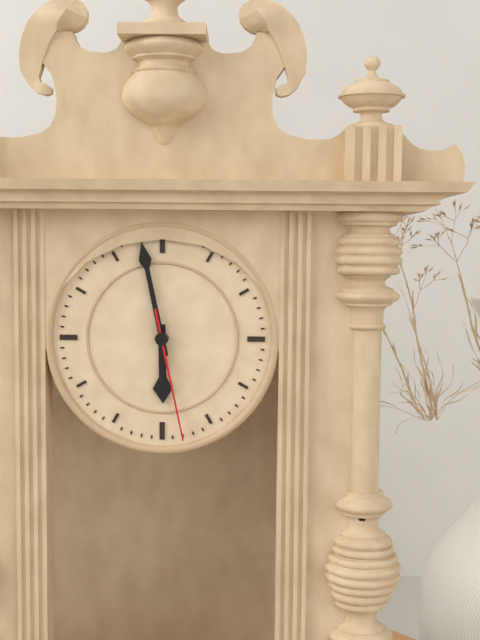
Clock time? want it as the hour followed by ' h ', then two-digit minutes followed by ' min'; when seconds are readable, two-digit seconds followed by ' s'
5 h 58 min 28 s
